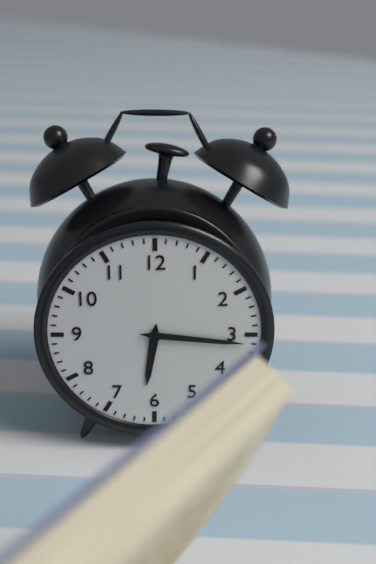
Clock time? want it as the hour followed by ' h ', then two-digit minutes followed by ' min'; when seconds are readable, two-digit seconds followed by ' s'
6 h 16 min
